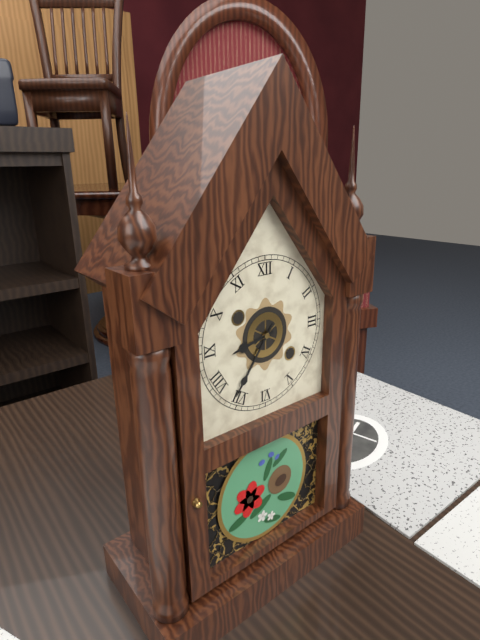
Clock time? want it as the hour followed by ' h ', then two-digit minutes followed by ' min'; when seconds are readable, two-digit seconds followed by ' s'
8 h 36 min
